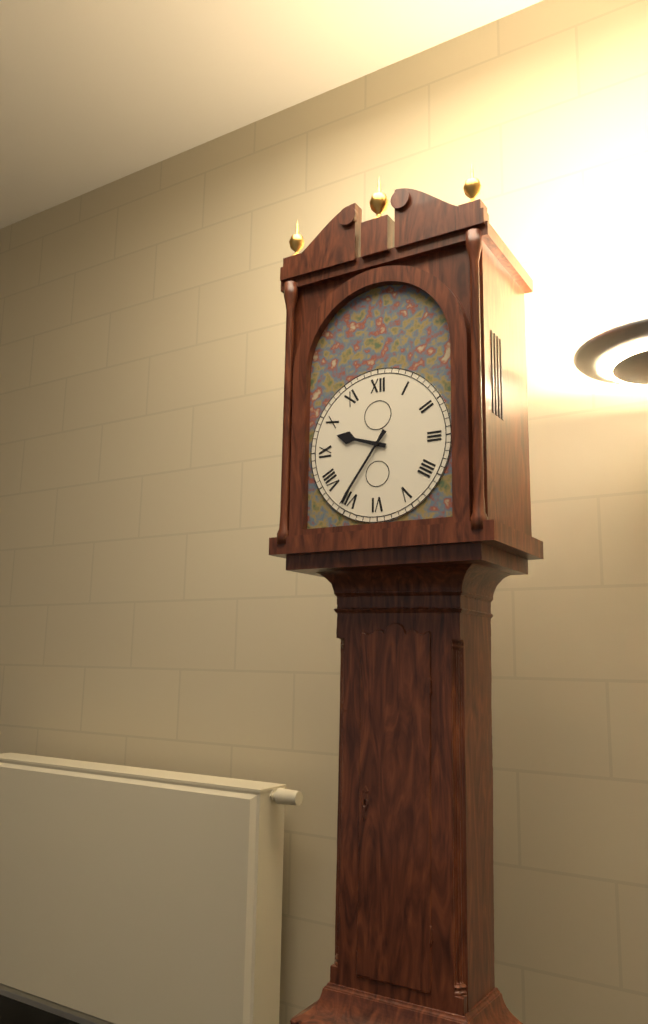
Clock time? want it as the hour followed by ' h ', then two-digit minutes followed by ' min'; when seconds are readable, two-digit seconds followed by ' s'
9 h 36 min
